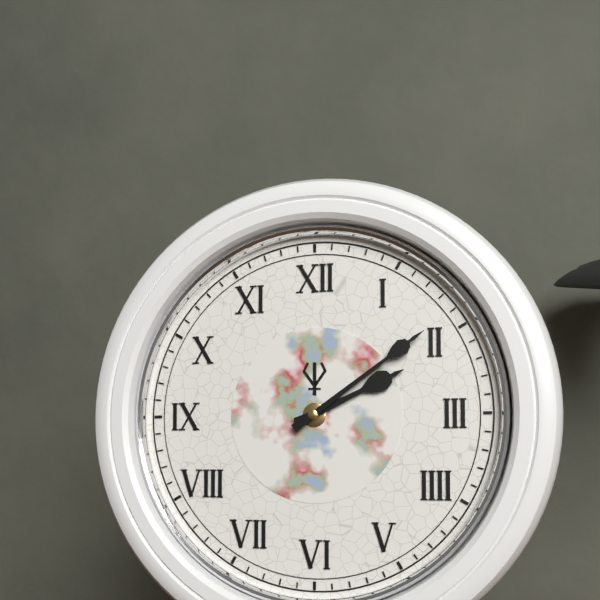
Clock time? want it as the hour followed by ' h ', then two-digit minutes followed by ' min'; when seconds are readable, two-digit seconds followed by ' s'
2 h 09 min
